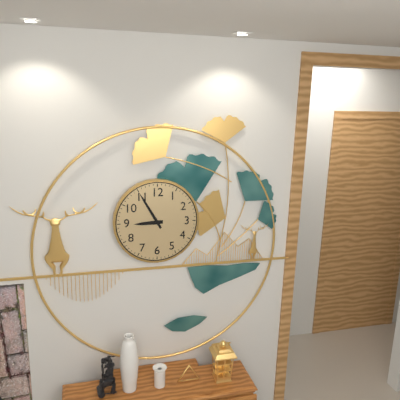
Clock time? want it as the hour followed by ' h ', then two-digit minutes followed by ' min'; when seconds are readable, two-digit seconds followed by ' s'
8 h 55 min
